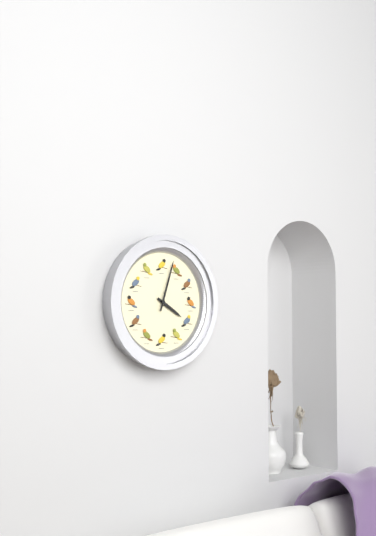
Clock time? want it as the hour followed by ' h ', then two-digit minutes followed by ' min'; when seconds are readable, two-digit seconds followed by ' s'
4 h 03 min
